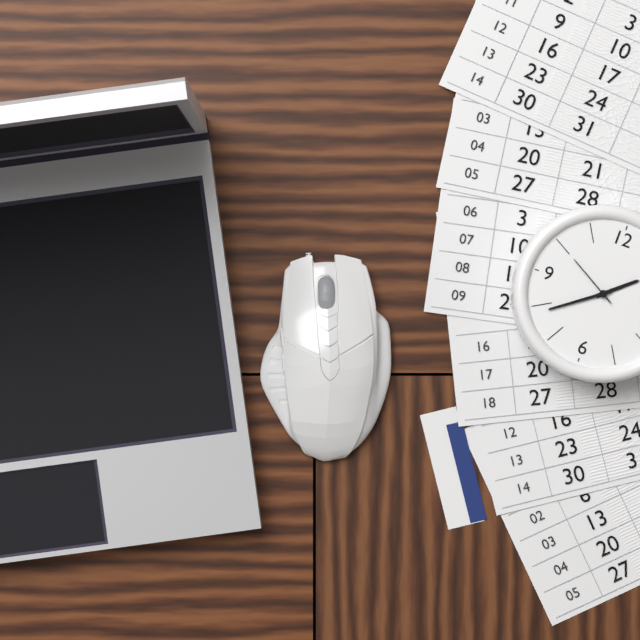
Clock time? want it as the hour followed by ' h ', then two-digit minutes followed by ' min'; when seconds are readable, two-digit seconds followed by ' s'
1 h 39 min 50 s
